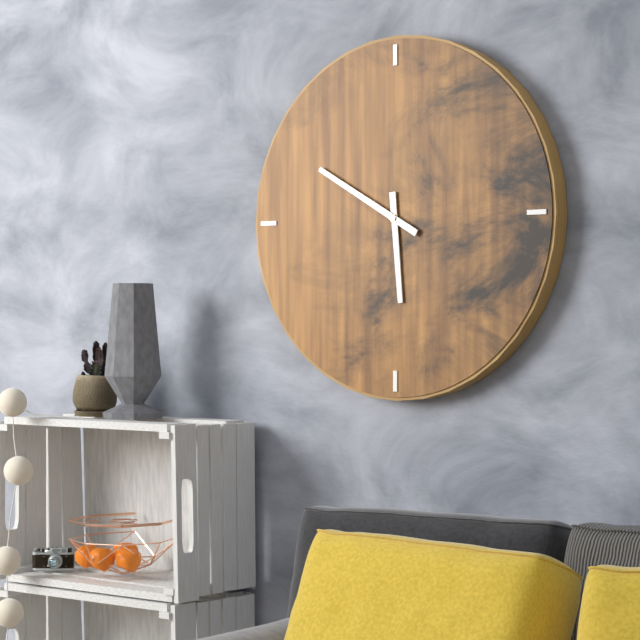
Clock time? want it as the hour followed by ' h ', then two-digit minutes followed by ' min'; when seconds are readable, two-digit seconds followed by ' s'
5 h 50 min
